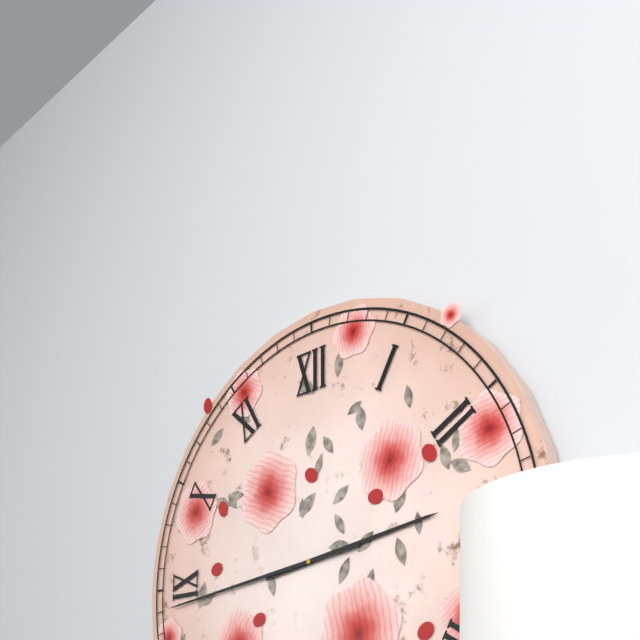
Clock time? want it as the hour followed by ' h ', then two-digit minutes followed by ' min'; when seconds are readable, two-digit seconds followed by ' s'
2 h 44 min
